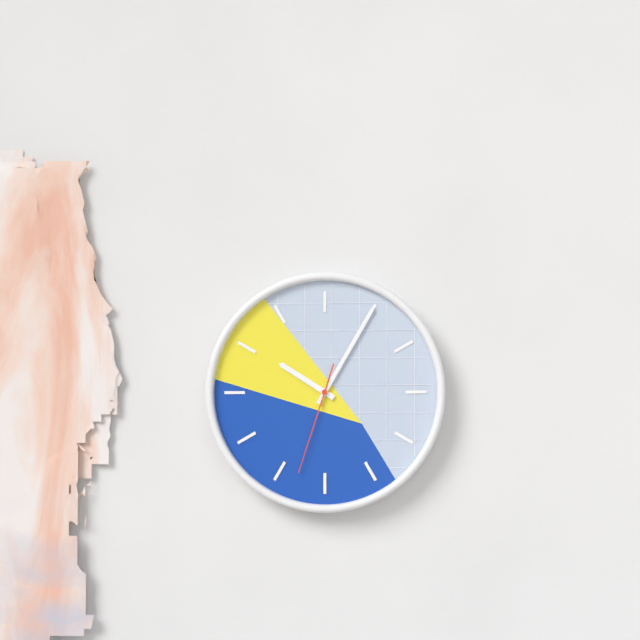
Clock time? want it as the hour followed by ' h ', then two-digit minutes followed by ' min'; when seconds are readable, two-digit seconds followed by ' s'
10 h 05 min 33 s
